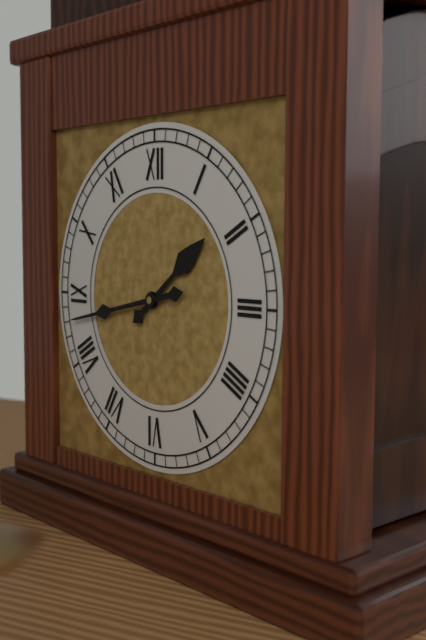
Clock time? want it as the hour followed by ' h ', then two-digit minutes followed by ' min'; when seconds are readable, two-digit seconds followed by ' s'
1 h 43 min
